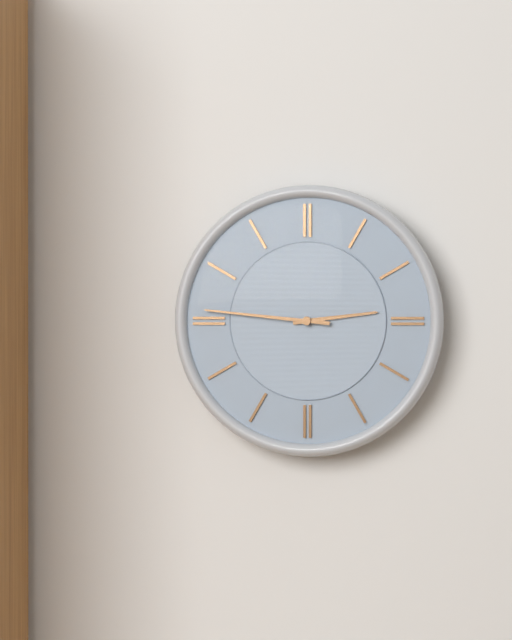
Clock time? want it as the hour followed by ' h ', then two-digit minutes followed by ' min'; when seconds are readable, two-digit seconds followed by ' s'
2 h 46 min
